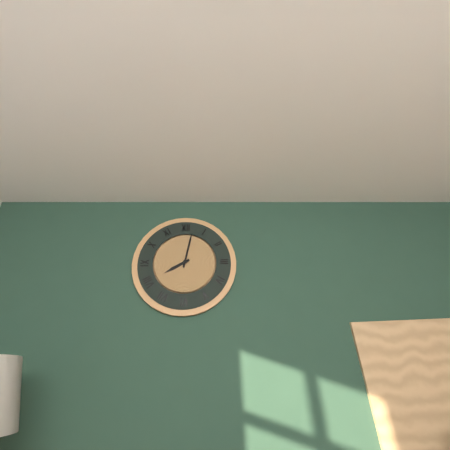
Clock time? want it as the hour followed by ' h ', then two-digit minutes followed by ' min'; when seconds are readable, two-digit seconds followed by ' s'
8 h 02 min
